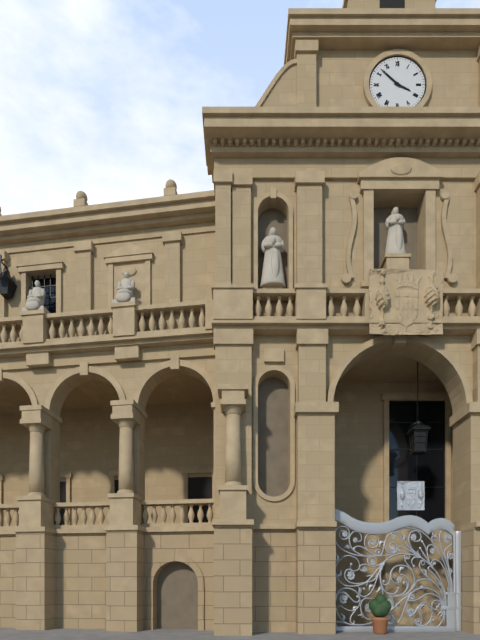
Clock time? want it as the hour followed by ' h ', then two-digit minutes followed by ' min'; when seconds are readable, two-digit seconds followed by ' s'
3 h 52 min
